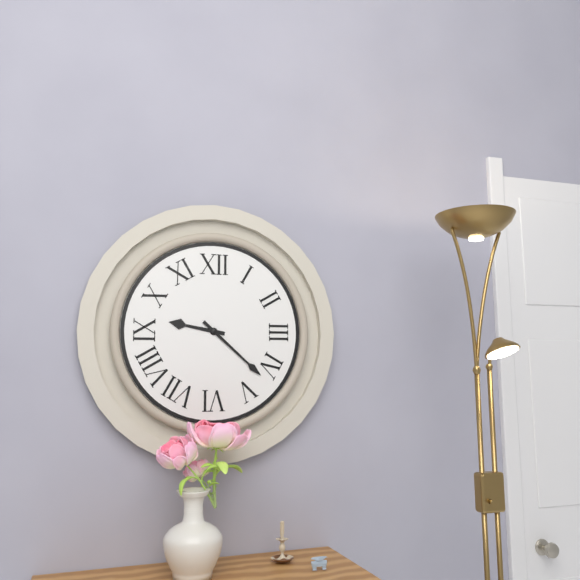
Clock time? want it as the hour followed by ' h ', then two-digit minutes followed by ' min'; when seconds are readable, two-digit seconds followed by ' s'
9 h 22 min
